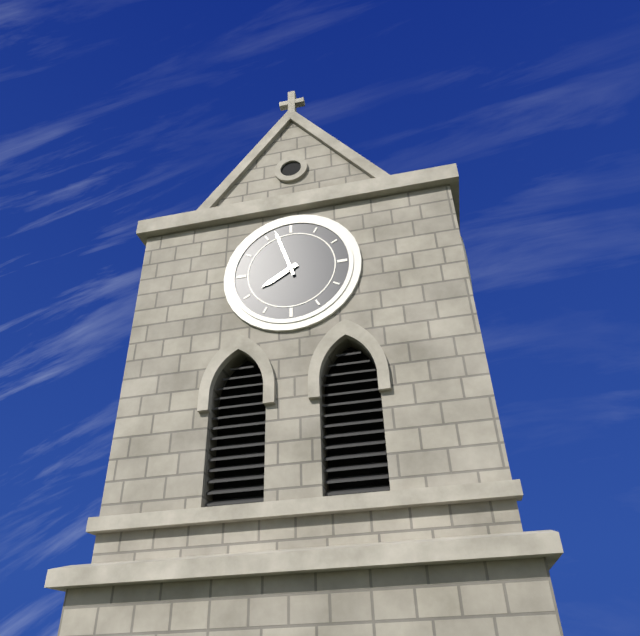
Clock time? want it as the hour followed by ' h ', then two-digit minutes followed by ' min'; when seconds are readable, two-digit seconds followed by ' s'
7 h 57 min
